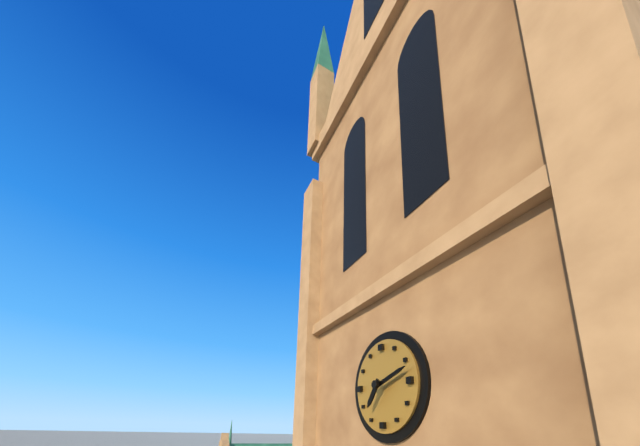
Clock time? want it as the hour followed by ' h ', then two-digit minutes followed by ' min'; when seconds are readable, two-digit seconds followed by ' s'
7 h 12 min
